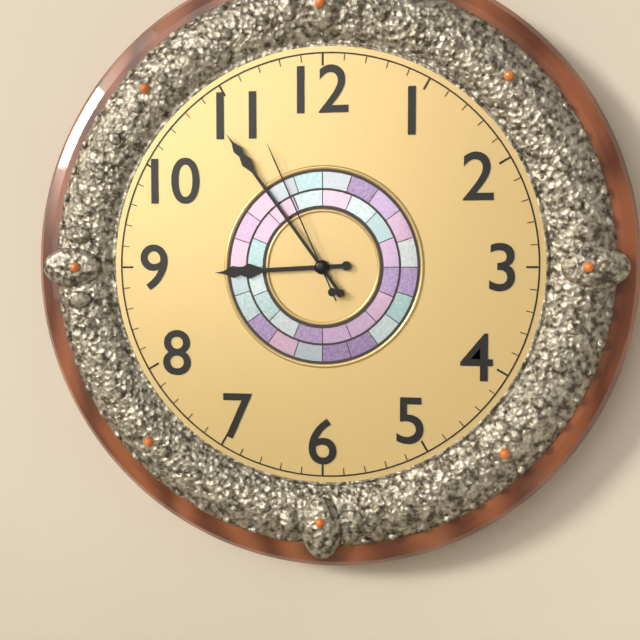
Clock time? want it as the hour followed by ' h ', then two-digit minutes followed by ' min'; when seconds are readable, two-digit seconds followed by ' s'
8 h 54 min 56 s
